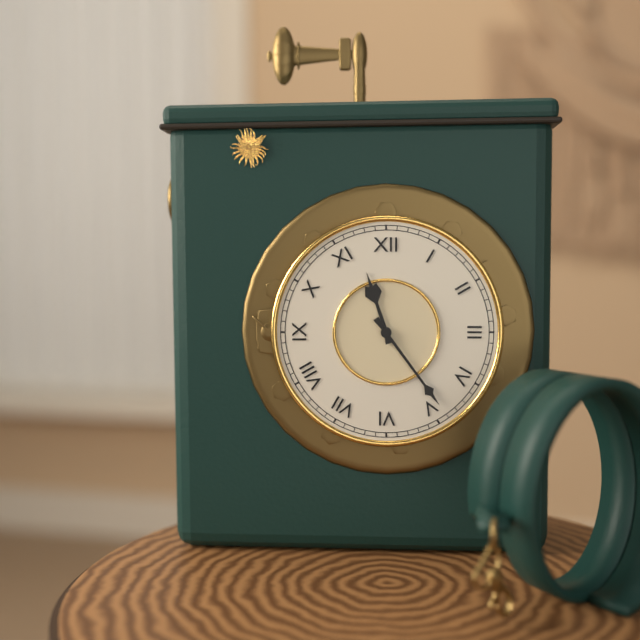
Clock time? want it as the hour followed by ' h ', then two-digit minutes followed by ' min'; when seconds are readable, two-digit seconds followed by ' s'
11 h 24 min
